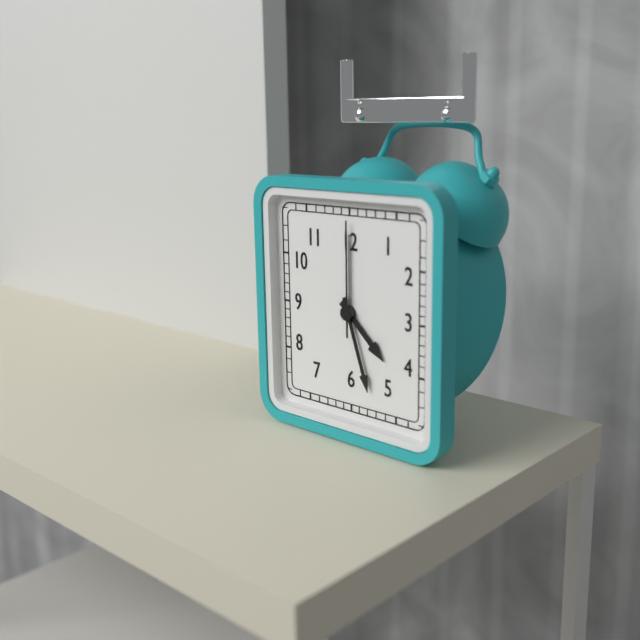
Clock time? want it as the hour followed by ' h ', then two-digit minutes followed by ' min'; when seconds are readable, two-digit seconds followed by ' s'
4 h 27 min 00 s
